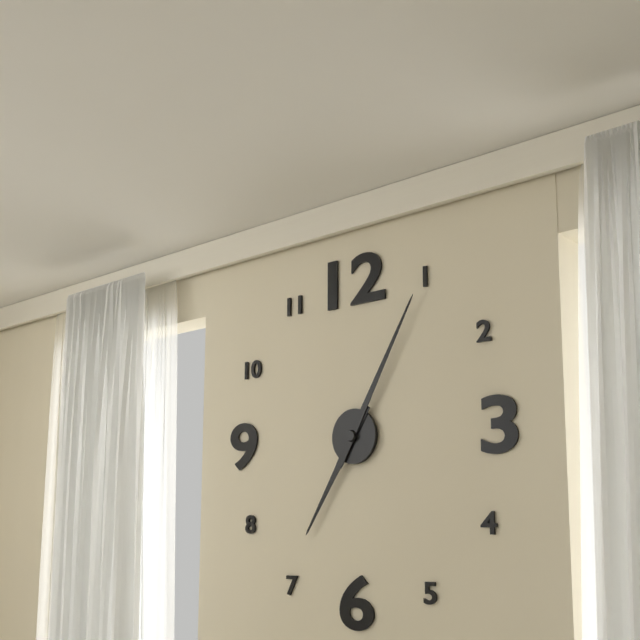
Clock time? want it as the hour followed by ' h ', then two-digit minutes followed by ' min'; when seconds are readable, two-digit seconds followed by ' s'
7 h 05 min
